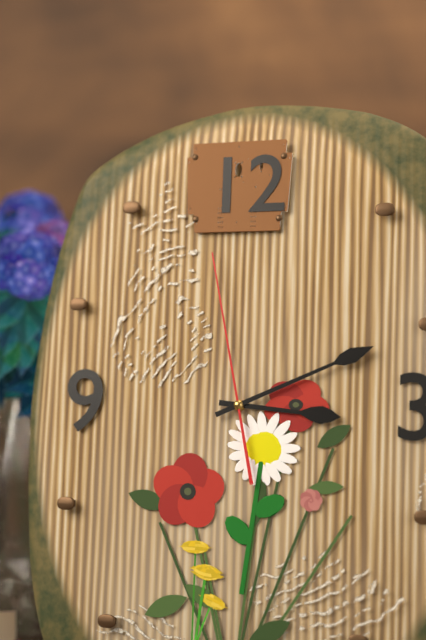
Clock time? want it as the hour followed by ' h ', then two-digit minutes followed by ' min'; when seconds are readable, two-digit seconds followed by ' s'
3 h 11 min 58 s
